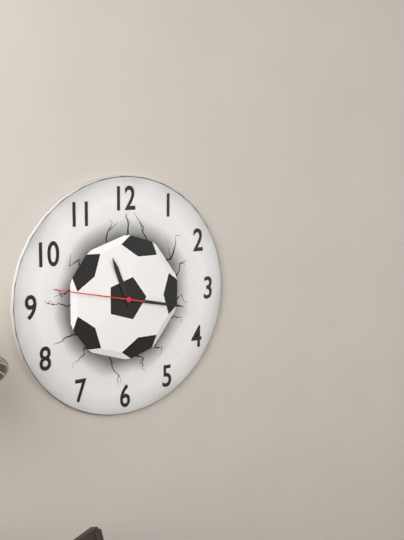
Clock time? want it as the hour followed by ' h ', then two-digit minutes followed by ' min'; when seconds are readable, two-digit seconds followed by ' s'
11 h 17 min 47 s
